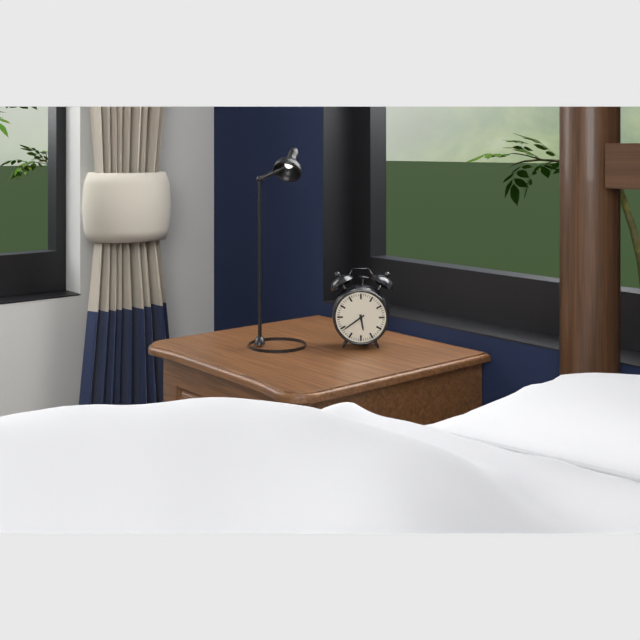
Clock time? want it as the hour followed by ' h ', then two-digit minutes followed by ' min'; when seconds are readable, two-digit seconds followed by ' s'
5 h 39 min
